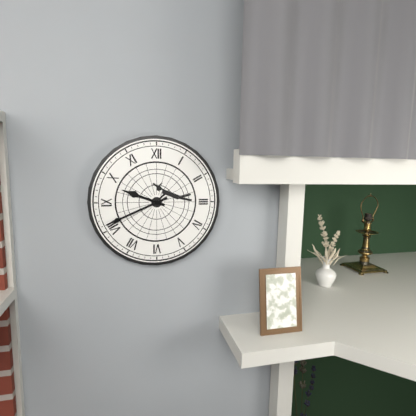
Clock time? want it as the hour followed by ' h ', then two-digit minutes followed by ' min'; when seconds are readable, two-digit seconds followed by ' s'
9 h 41 min
